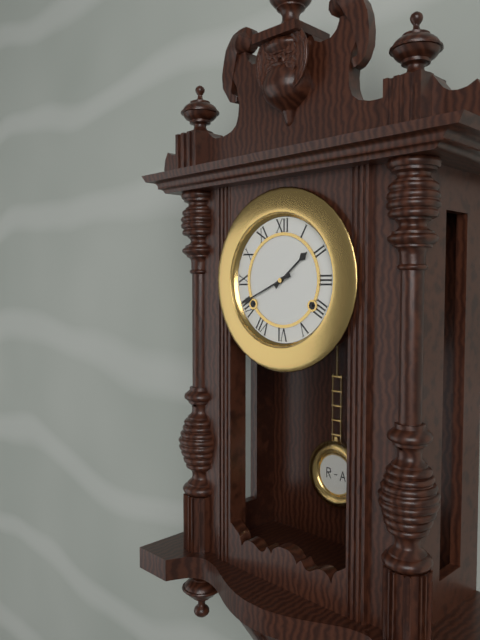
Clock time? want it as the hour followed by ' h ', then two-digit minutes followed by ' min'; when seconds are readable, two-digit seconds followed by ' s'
1 h 41 min
